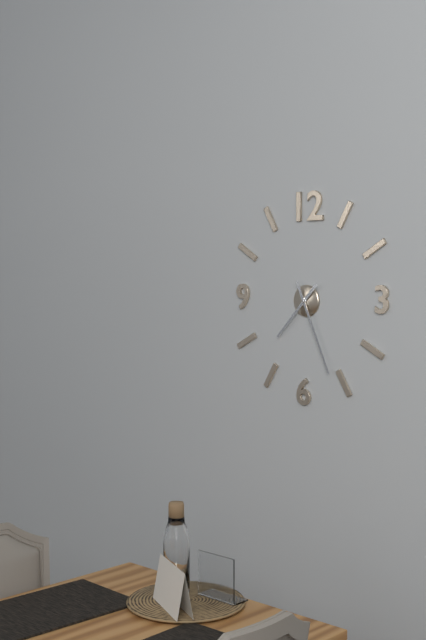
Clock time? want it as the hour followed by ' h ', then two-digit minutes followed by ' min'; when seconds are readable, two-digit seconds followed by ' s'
7 h 26 min
